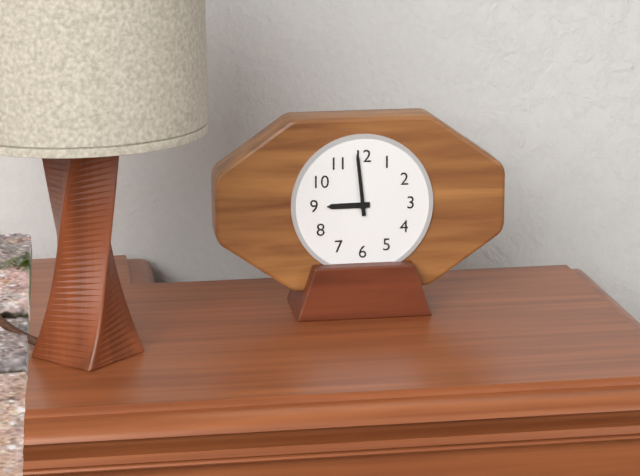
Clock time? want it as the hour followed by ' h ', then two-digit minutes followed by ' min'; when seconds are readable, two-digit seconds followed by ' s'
8 h 59 min
